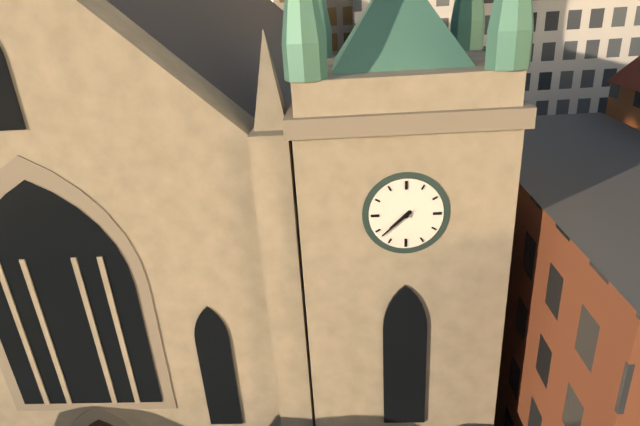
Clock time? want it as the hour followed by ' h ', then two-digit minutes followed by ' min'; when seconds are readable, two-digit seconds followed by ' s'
7 h 38 min
